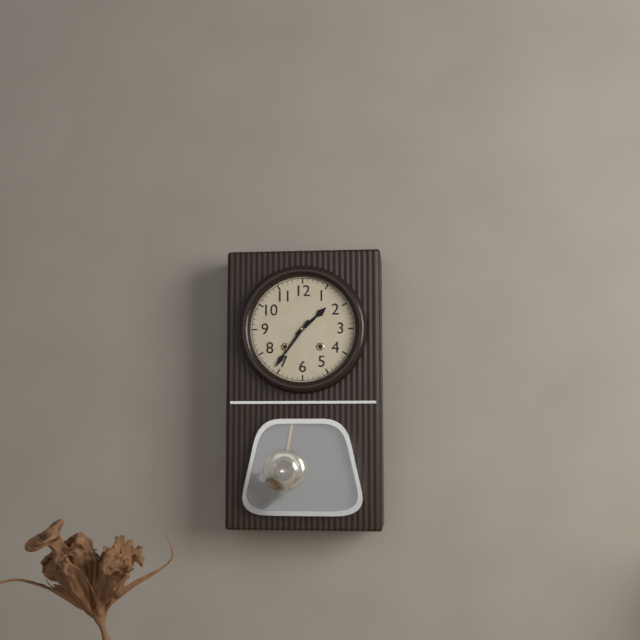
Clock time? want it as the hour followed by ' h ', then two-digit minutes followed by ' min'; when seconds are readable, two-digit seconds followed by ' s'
1 h 36 min
